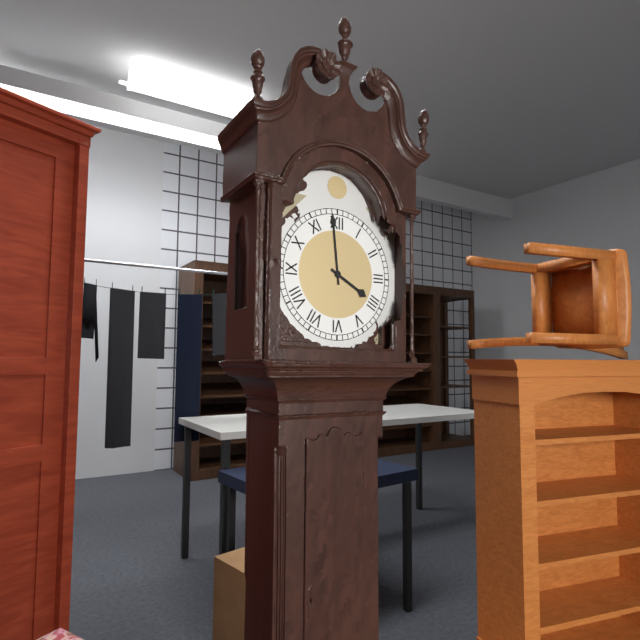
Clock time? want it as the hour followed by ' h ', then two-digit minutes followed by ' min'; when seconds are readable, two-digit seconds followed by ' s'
3 h 59 min
